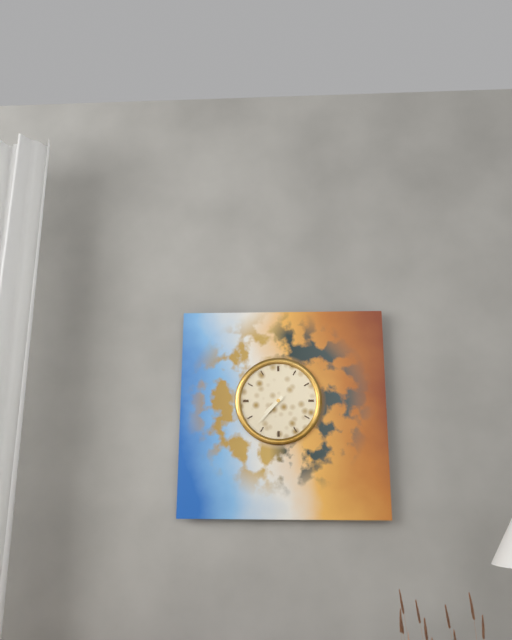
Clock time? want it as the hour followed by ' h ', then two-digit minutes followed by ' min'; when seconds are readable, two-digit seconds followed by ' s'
7 h 37 min
